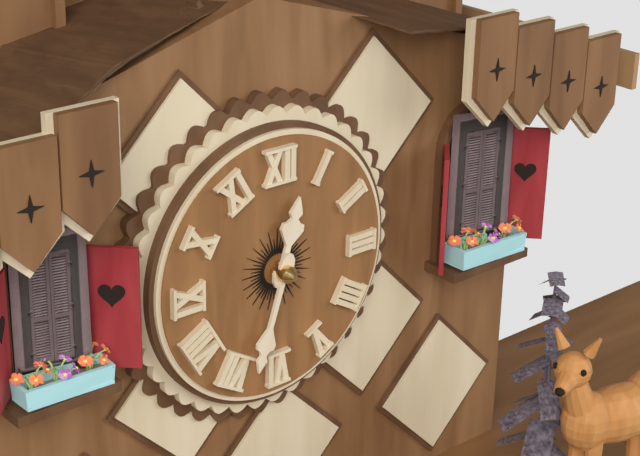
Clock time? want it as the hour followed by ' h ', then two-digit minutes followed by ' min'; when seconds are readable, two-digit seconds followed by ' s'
12 h 33 min
